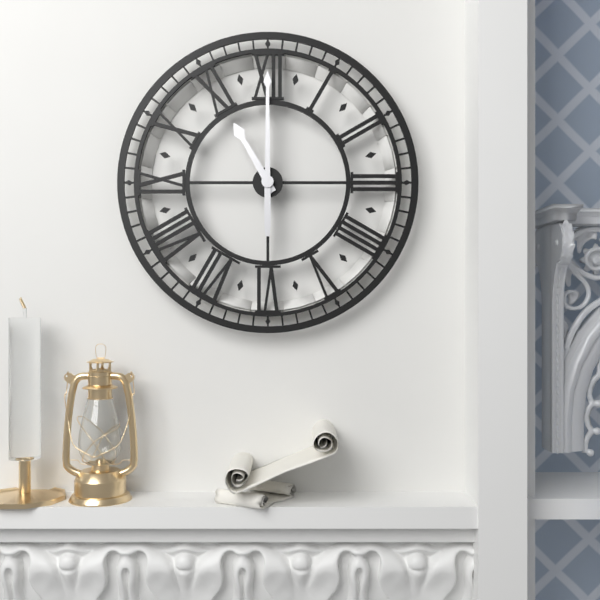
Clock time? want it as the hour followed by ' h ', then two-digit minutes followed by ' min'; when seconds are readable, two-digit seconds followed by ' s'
11 h 00 min
